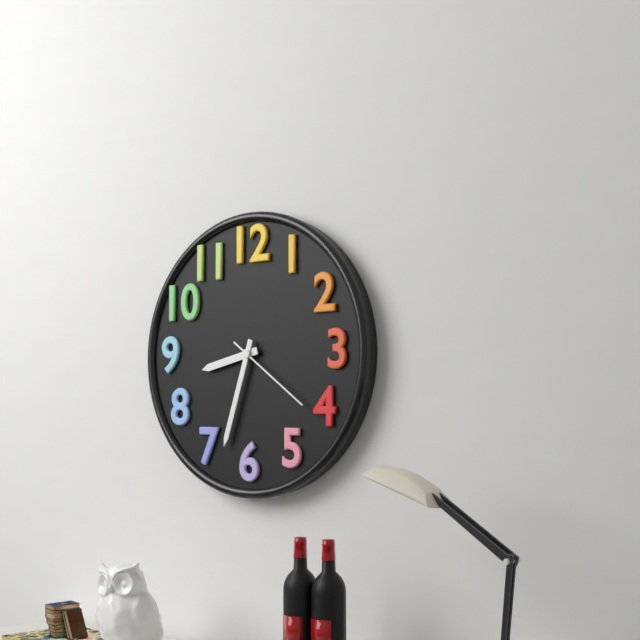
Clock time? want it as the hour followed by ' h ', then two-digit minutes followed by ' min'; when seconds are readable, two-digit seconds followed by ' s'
8 h 33 min 21 s
